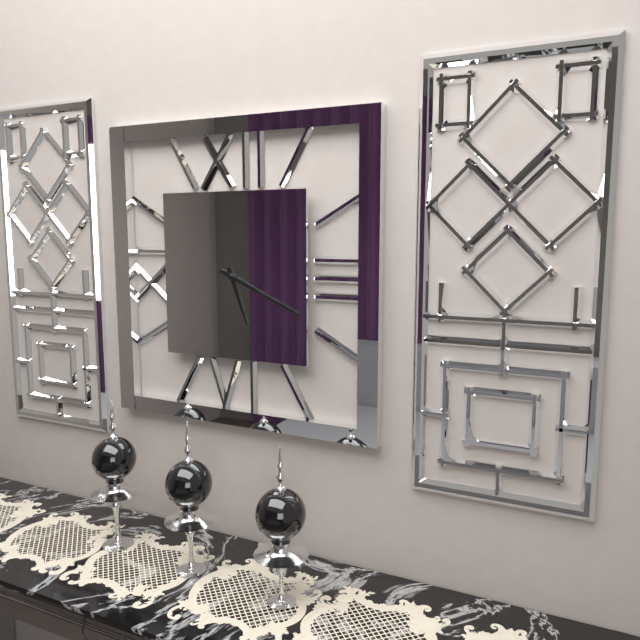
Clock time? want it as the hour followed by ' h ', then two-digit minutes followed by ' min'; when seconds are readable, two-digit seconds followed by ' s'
5 h 19 min
